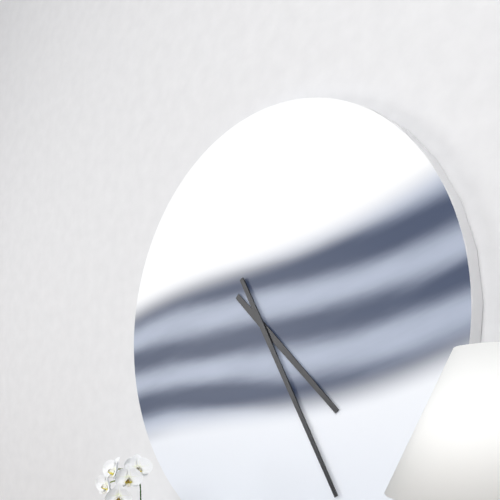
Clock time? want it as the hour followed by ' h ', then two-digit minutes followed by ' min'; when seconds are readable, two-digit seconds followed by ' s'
4 h 25 min
